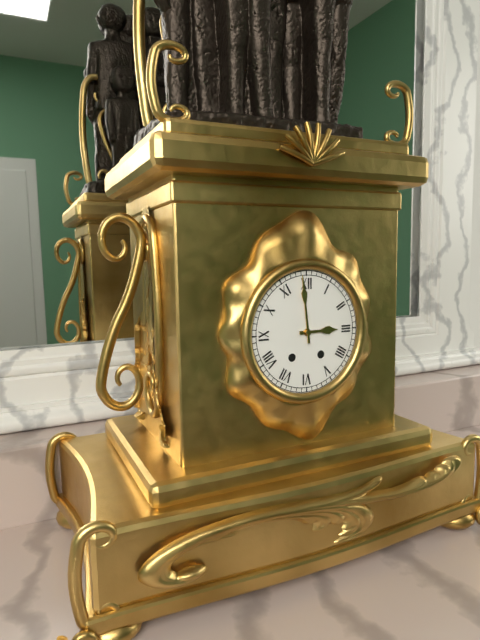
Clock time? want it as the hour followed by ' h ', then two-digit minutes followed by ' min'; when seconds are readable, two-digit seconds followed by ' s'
2 h 59 min
